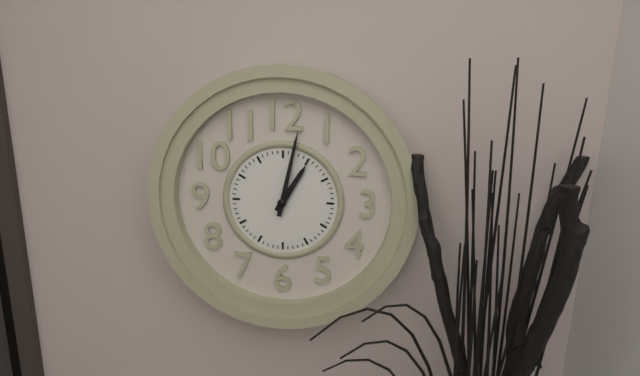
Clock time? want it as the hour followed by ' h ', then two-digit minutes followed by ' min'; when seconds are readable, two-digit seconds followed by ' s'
1 h 02 min
